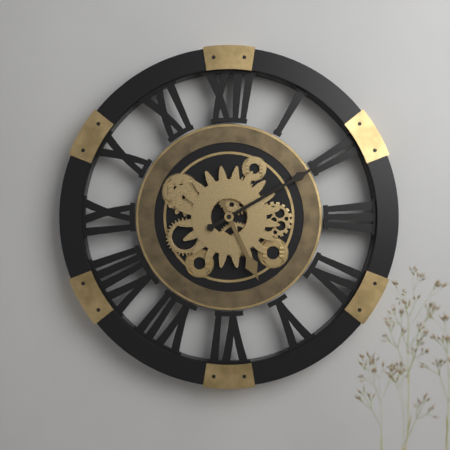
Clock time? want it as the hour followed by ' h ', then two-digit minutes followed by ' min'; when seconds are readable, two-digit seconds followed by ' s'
5 h 10 min
